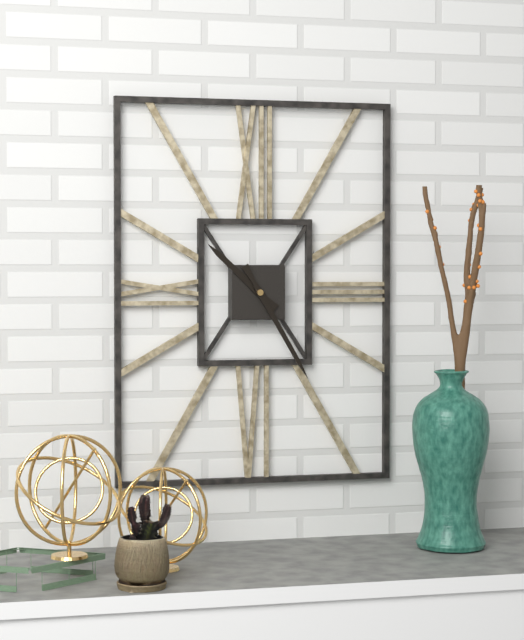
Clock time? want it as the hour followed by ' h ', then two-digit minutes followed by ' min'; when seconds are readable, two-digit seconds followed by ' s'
10 h 25 min
